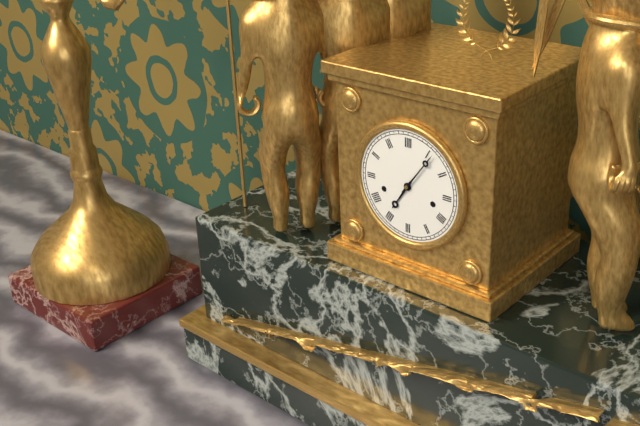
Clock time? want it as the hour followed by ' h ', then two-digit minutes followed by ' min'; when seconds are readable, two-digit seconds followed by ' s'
7 h 06 min
